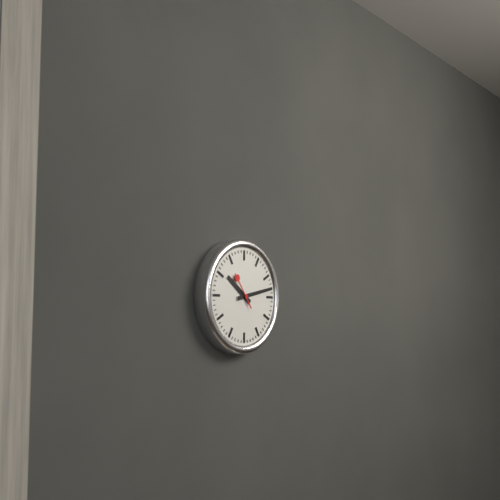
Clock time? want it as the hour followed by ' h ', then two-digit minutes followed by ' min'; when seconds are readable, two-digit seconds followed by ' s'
10 h 13 min
